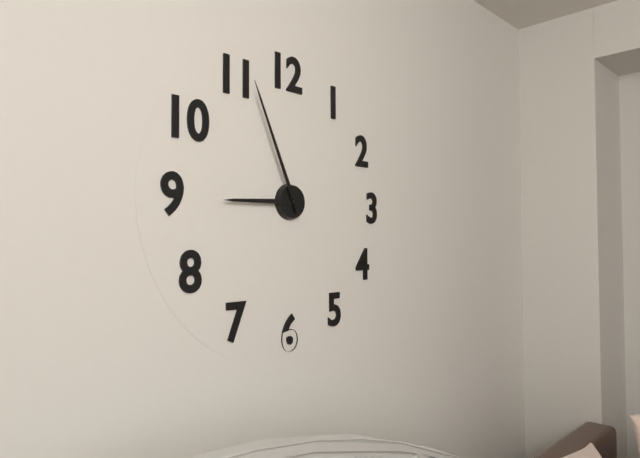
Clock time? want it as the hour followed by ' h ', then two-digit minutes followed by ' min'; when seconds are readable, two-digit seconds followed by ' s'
8 h 56 min
